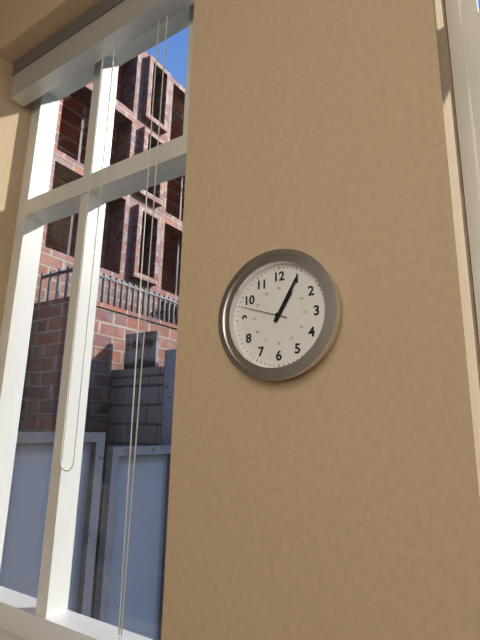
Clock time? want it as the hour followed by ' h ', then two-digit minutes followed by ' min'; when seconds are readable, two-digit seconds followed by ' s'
1 h 05 min
